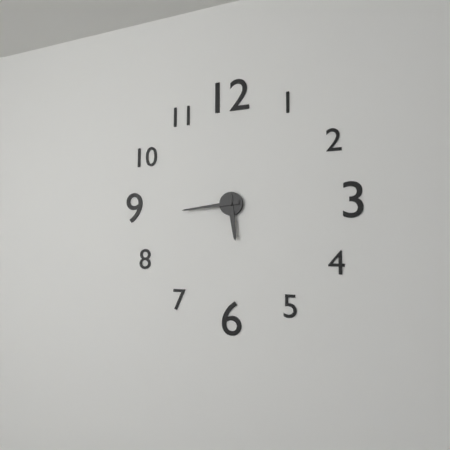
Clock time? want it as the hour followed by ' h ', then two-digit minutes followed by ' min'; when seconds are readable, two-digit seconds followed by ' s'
5 h 44 min
